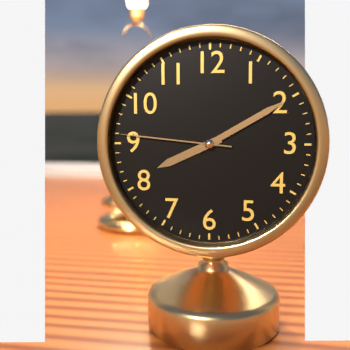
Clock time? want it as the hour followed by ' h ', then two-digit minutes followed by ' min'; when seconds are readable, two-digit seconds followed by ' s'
8 h 10 min 46 s
